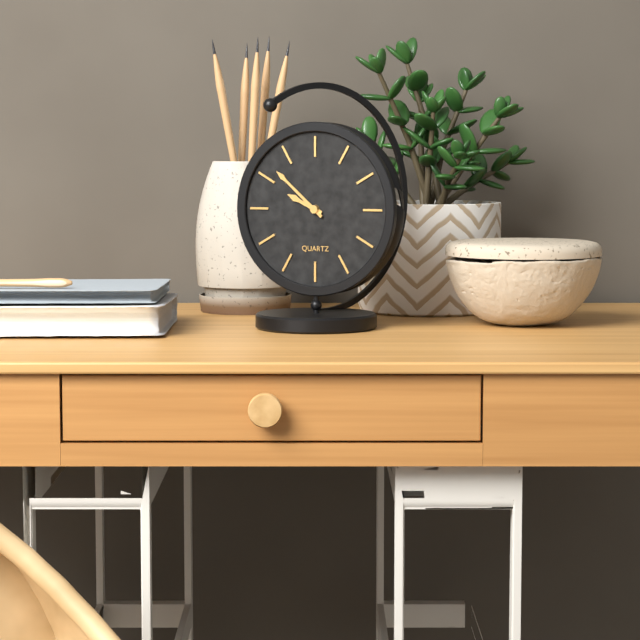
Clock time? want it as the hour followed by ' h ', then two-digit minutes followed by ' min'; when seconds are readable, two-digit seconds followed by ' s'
9 h 52 min
